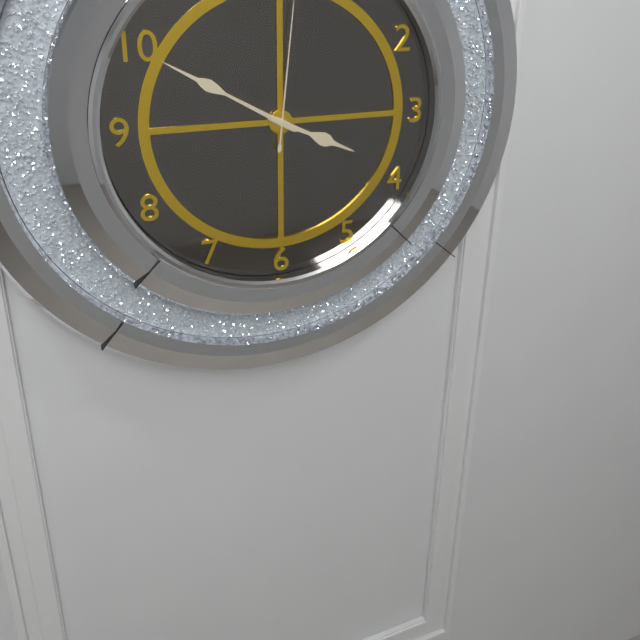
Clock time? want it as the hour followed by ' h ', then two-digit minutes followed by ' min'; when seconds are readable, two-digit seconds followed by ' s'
3 h 50 min
